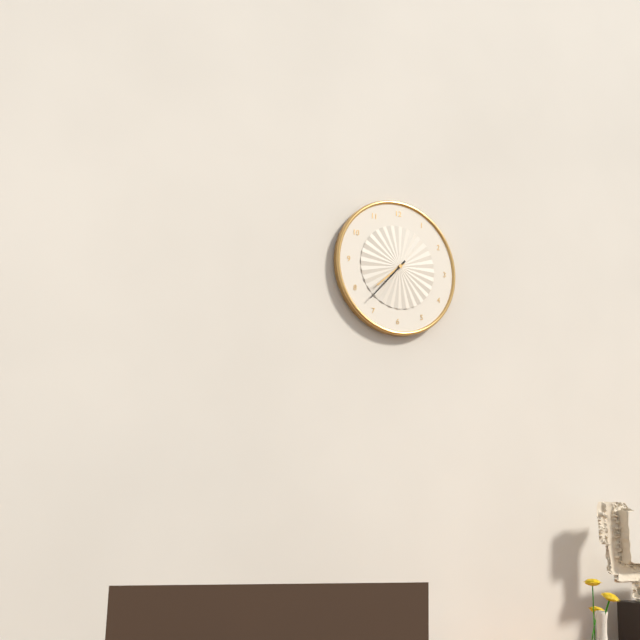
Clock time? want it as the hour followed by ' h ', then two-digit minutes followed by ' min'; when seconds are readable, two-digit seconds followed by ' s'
7 h 37 min
